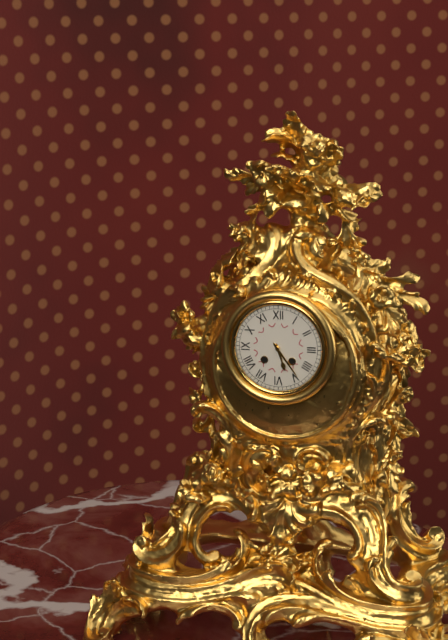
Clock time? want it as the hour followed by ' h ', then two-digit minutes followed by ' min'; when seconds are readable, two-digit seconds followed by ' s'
5 h 24 min
